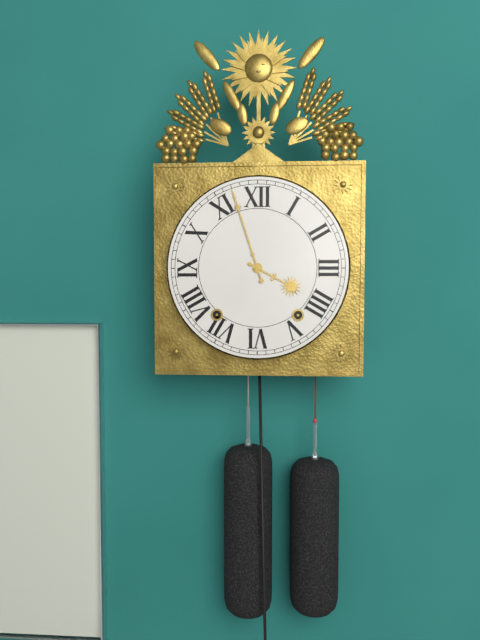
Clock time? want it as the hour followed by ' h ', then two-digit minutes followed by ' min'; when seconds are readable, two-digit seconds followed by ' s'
3 h 57 min
